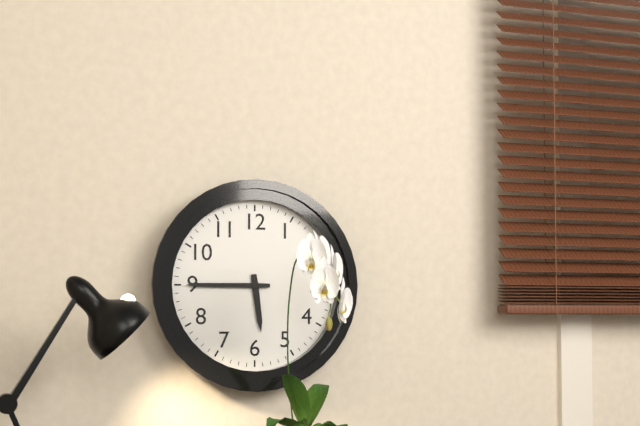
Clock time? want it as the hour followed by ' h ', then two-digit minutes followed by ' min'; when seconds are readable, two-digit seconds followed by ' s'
5 h 45 min
